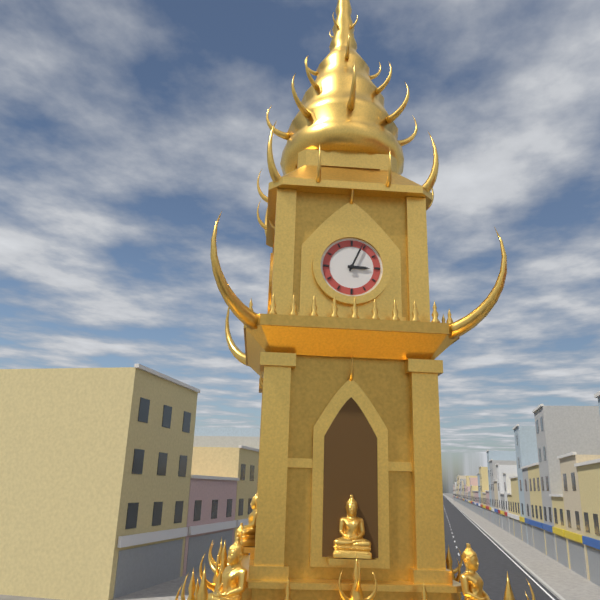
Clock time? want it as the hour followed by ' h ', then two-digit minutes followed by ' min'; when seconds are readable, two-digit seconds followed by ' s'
3 h 04 min
